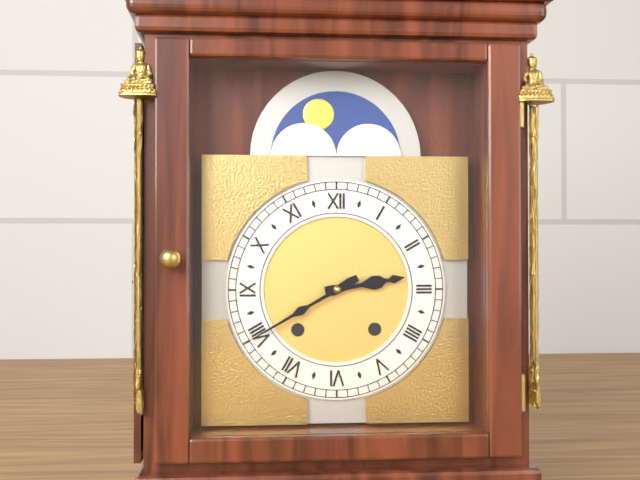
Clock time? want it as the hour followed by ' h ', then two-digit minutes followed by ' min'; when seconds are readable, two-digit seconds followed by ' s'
2 h 40 min
